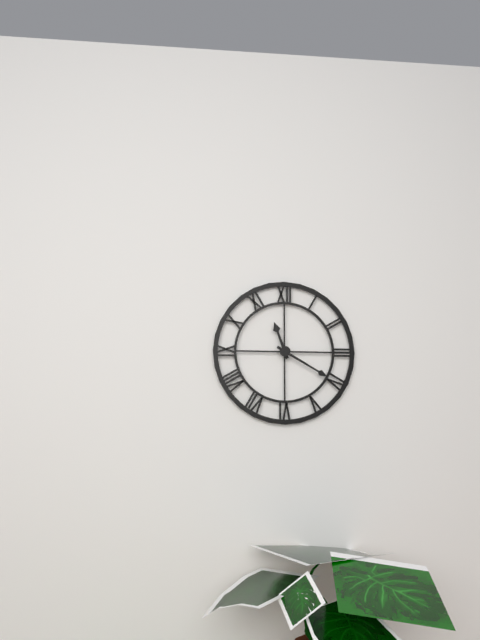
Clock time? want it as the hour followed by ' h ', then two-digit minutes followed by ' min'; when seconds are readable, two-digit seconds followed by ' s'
11 h 20 min
